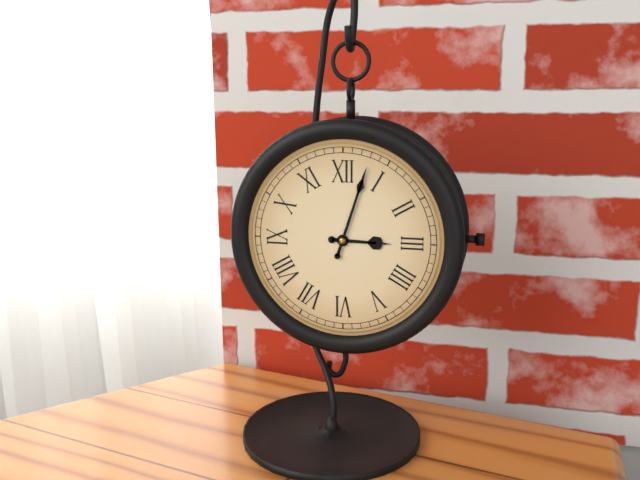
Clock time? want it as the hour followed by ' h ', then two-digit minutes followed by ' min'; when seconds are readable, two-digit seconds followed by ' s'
3 h 03 min
